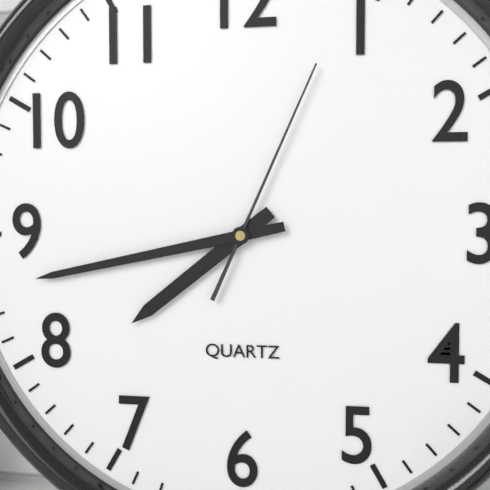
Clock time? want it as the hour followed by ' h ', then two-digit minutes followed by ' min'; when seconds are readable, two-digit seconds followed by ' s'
7 h 43 min 04 s
